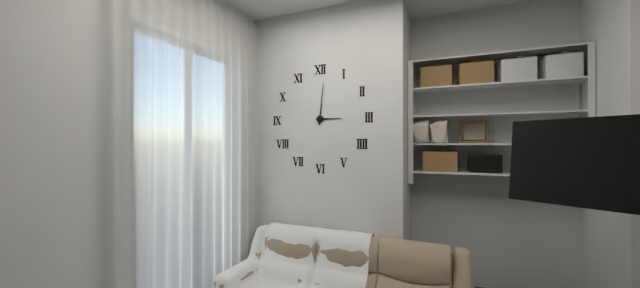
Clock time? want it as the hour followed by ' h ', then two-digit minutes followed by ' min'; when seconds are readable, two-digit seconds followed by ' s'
3 h 01 min
